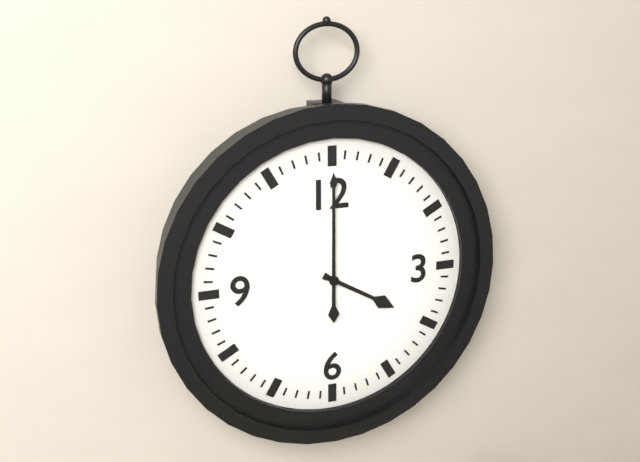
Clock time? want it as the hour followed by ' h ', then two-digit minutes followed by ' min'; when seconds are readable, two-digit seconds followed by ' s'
4 h 00 min
